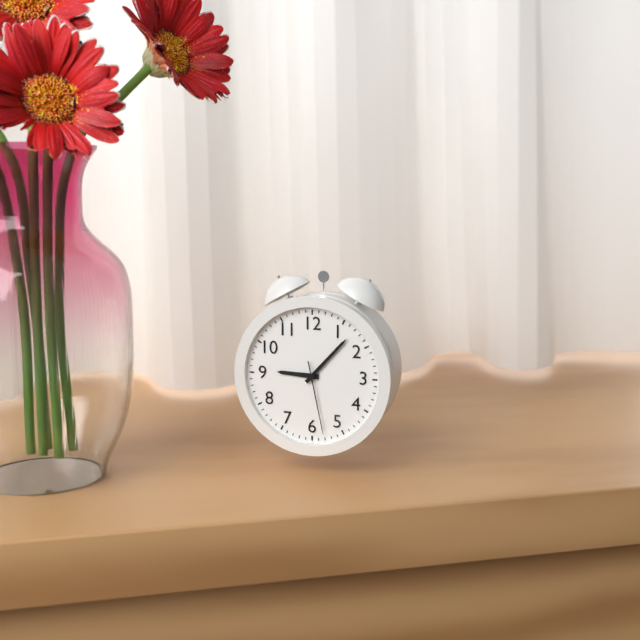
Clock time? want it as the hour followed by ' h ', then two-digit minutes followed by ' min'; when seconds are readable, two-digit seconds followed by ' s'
9 h 07 min 28 s
